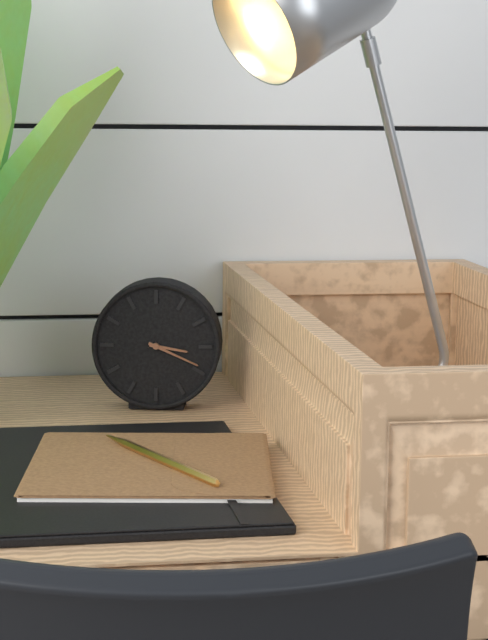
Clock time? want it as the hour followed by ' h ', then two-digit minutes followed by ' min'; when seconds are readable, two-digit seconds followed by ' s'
3 h 19 min
